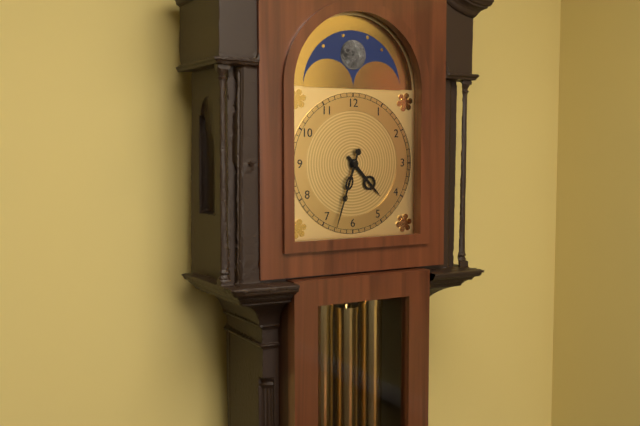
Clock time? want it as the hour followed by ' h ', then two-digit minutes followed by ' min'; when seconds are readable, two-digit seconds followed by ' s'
4 h 33 min
